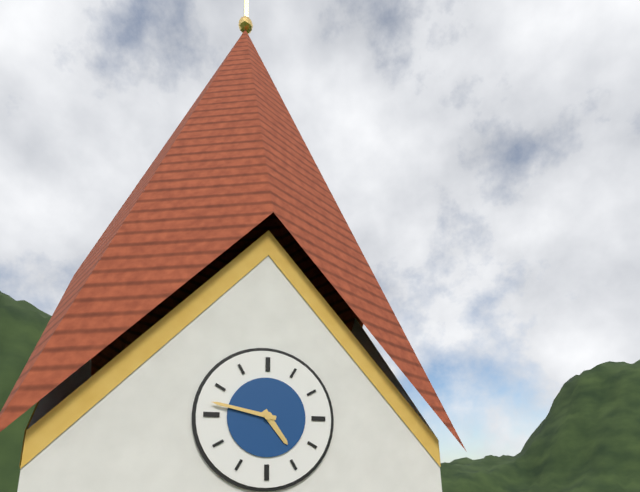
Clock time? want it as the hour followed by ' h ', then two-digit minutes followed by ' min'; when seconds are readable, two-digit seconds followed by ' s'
4 h 47 min
